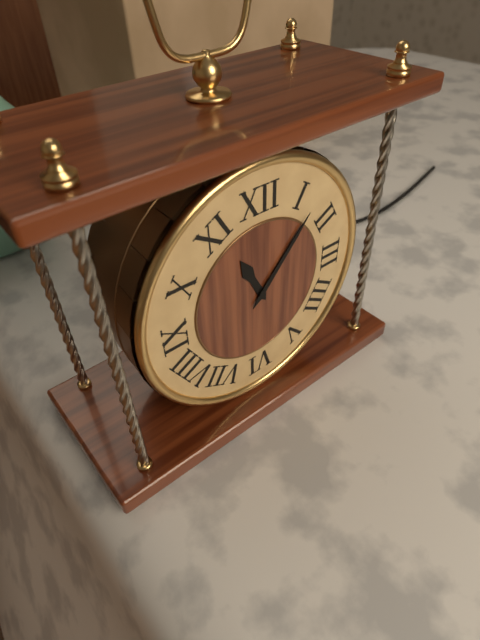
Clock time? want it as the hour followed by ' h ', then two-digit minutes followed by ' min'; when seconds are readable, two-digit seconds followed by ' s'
11 h 07 min
